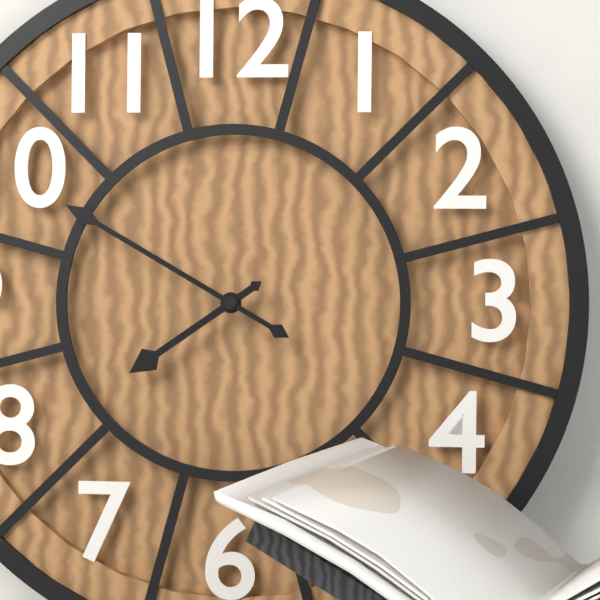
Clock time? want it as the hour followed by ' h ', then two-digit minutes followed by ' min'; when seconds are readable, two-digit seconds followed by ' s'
7 h 50 min
